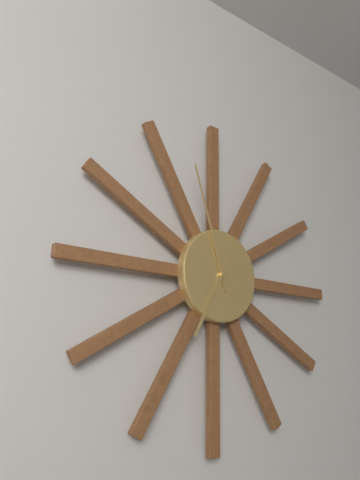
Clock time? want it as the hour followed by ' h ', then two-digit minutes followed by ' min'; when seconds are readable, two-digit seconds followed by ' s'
6 h 57 min
